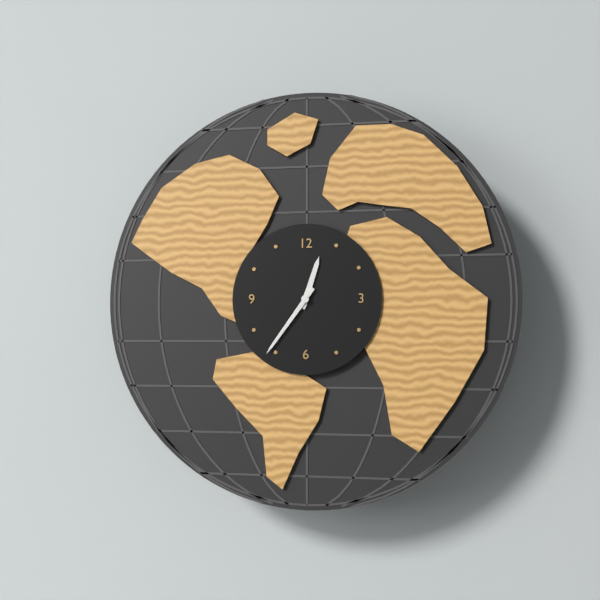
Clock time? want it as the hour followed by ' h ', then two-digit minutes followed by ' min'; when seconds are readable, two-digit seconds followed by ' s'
12 h 36 min
